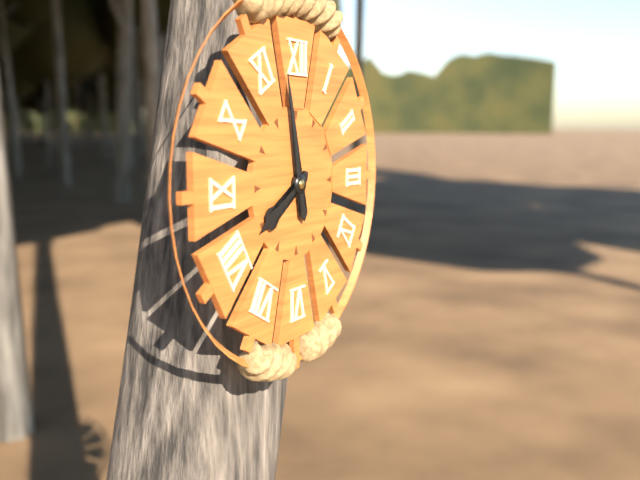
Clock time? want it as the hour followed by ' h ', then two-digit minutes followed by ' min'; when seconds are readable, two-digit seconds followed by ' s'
7 h 58 min
